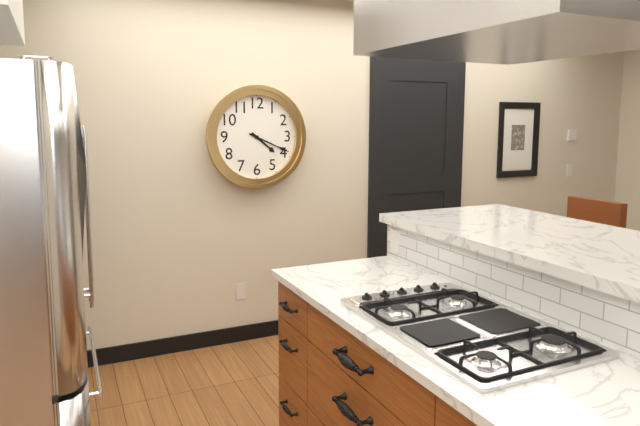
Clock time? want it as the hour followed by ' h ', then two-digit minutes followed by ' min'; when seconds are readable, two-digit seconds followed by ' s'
4 h 19 min
